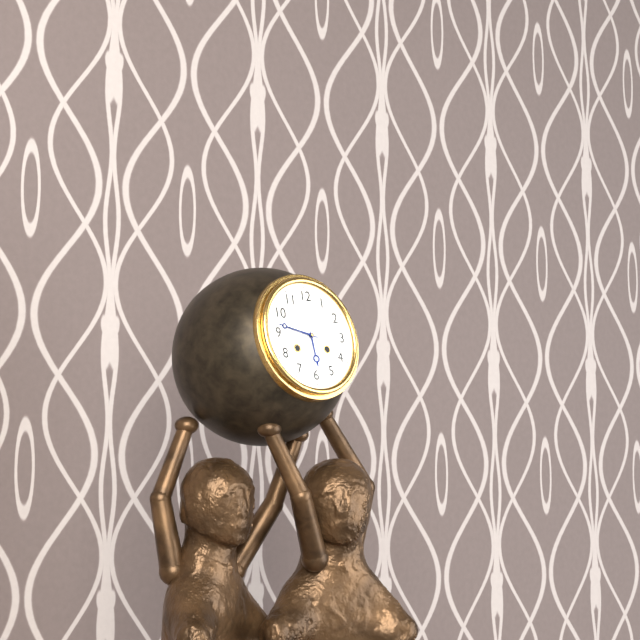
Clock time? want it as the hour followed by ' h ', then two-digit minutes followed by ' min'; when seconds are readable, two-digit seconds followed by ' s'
5 h 47 min
